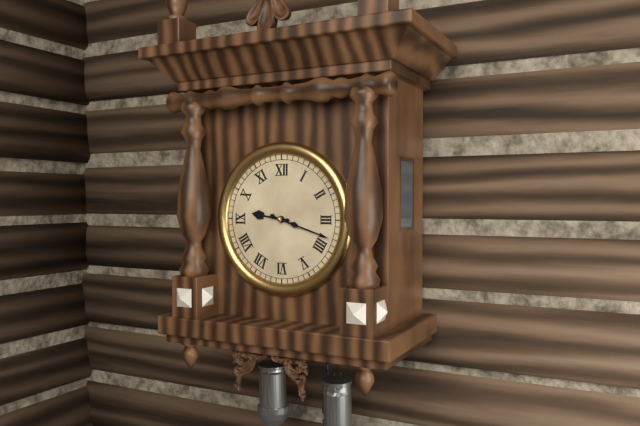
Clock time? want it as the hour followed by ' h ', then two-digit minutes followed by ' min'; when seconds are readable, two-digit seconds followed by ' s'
9 h 18 min
